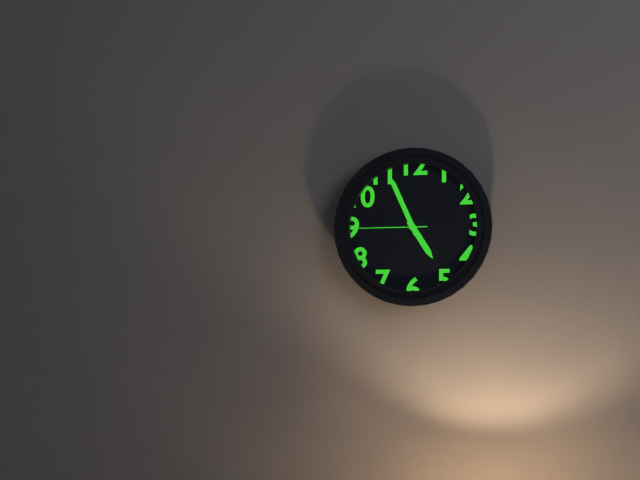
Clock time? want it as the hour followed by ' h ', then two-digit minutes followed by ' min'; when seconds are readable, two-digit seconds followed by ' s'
4 h 56 min 45 s
